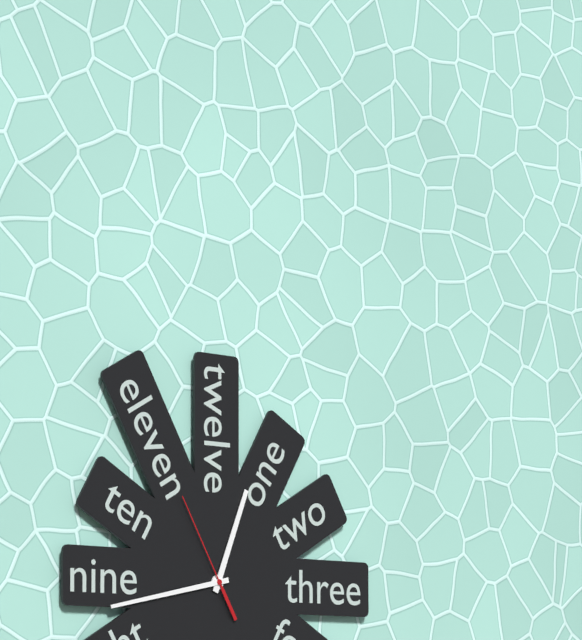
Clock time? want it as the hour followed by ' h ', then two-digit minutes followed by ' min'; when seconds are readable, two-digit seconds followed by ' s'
12 h 43 min 55 s
